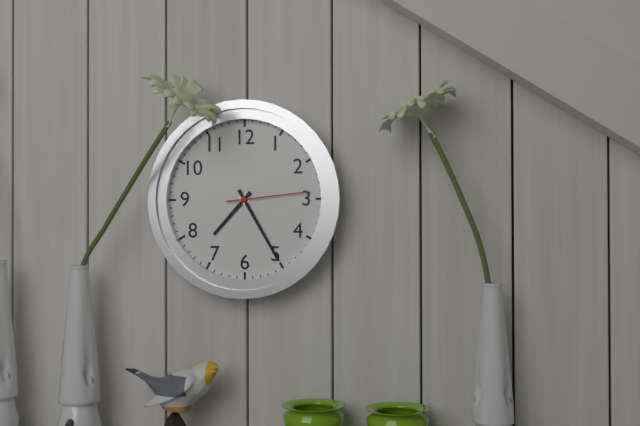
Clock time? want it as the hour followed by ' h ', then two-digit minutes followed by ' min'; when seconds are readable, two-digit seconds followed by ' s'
7 h 25 min 14 s
